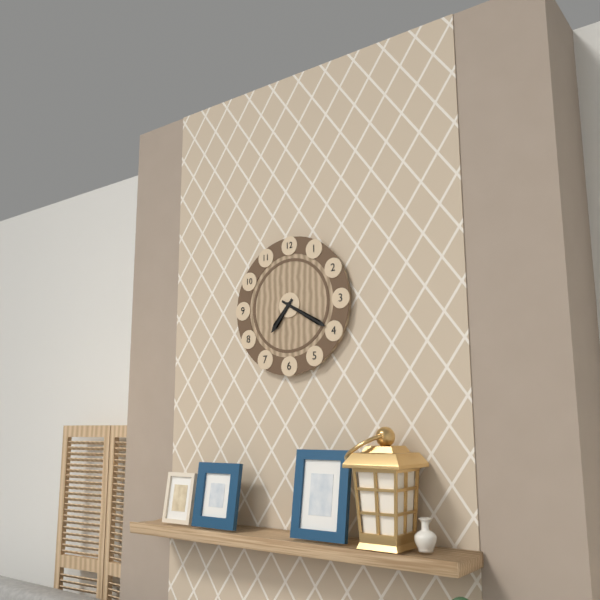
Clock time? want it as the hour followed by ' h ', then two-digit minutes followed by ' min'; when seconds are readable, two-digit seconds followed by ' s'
7 h 20 min
